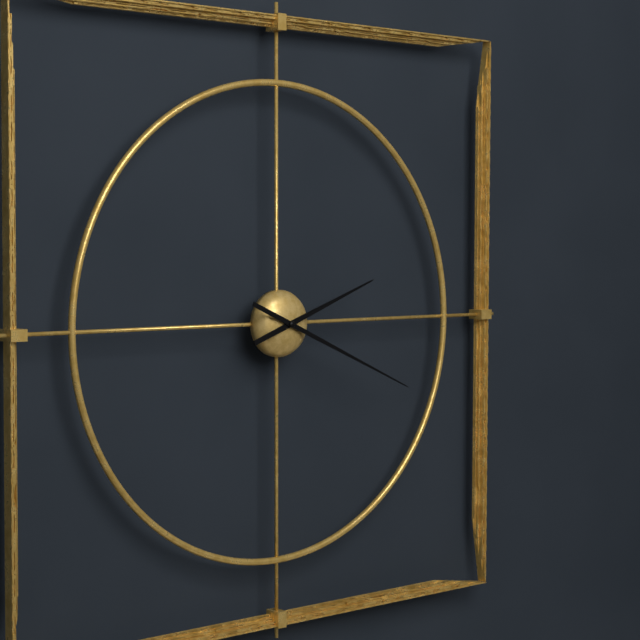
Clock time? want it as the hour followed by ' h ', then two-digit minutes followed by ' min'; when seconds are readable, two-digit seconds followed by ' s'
2 h 19 min
